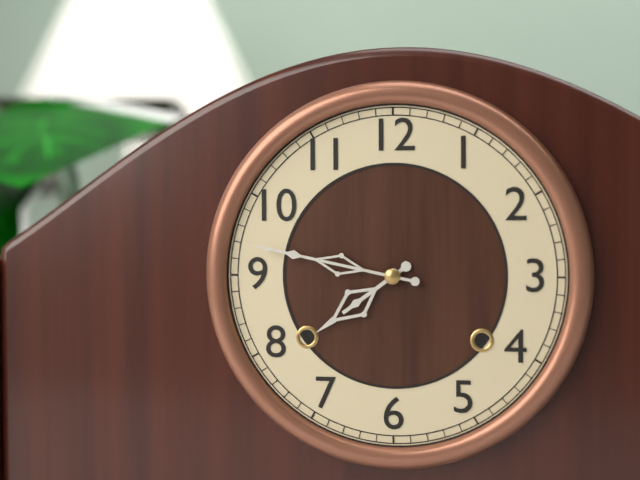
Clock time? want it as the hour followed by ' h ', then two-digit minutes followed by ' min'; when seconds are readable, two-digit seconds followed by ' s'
7 h 47 min
